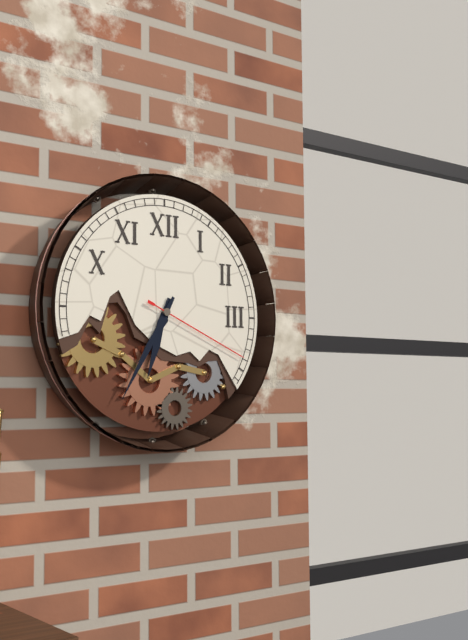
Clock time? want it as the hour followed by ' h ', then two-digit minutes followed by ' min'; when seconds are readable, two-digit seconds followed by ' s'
6 h 35 min 19 s
